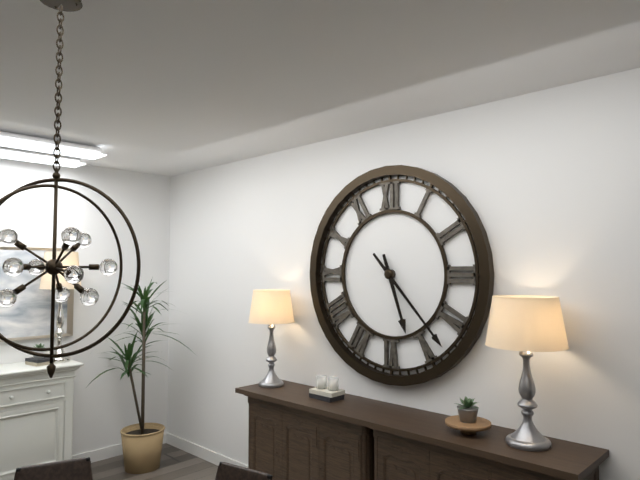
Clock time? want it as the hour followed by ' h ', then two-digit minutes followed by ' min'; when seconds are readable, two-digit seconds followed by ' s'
5 h 23 min
